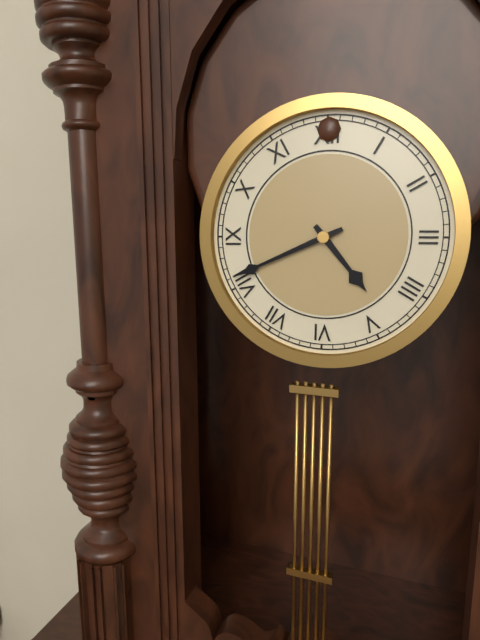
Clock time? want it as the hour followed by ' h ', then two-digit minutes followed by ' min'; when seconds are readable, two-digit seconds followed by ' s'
4 h 41 min
